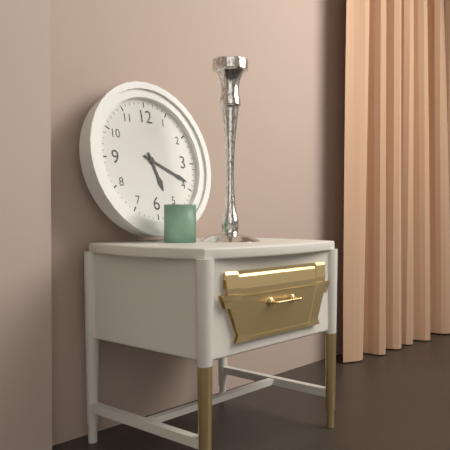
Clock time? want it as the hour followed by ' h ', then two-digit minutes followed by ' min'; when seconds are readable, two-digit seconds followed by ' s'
5 h 19 min
